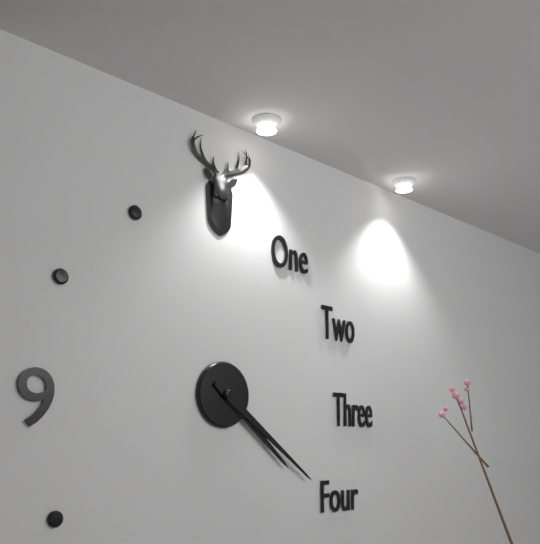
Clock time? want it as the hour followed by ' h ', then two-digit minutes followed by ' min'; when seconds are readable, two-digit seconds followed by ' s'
4 h 21 min
